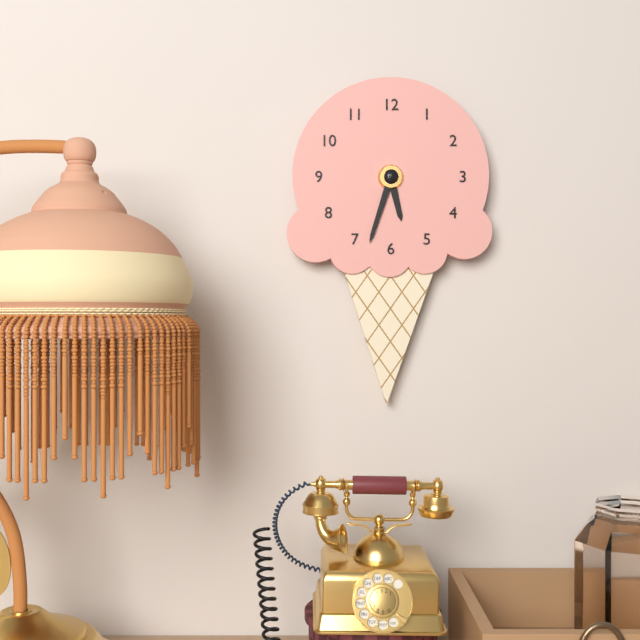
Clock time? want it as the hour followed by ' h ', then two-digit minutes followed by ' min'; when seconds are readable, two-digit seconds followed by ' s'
5 h 33 min
